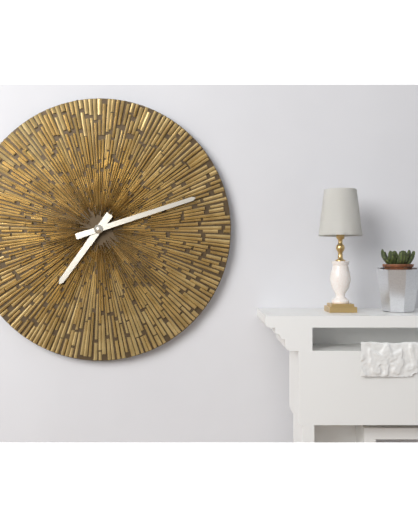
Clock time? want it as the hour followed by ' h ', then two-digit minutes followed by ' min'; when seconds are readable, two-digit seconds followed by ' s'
7 h 12 min
